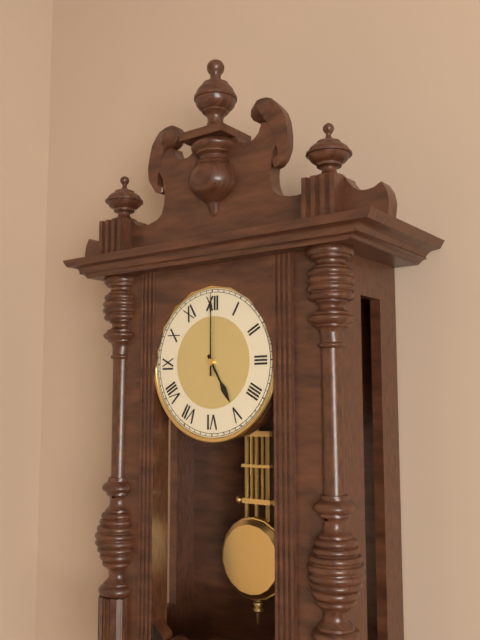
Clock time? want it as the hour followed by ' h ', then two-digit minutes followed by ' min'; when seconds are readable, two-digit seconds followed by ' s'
5 h 00 min
